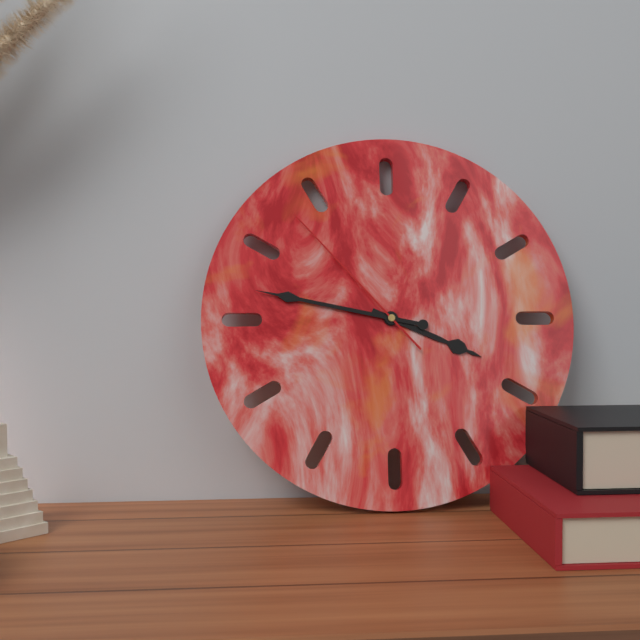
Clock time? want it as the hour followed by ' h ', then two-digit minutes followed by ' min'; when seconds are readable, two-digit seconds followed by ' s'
3 h 47 min 53 s
